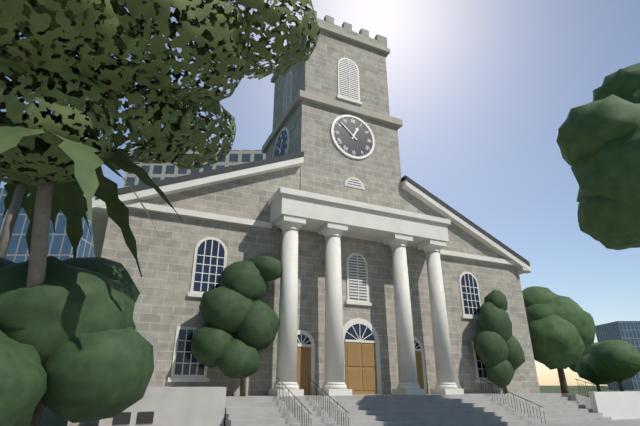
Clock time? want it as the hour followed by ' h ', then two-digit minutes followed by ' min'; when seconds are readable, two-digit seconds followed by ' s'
12 h 52 min
